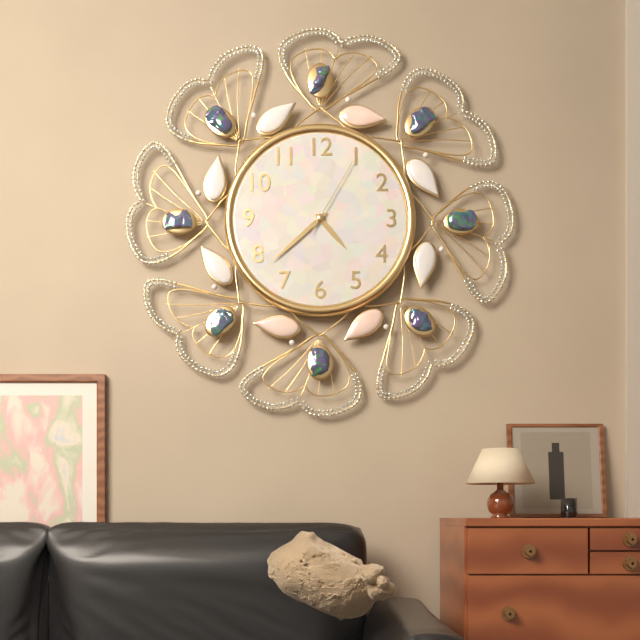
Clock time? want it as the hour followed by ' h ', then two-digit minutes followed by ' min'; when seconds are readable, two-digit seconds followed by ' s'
4 h 38 min 05 s
